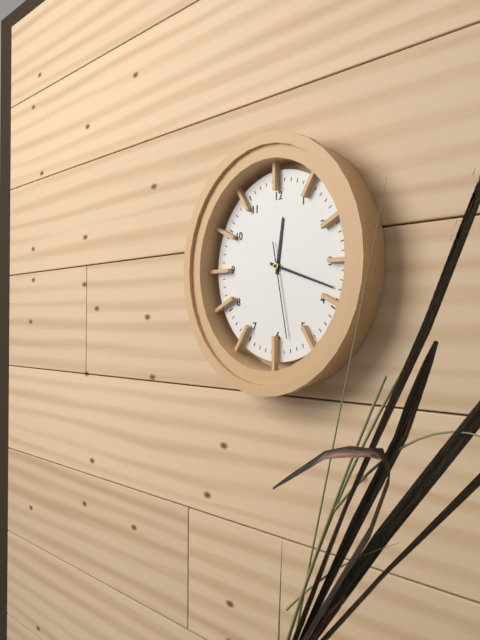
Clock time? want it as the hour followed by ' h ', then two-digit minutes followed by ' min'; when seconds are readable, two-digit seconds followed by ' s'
12 h 18 min 28 s
